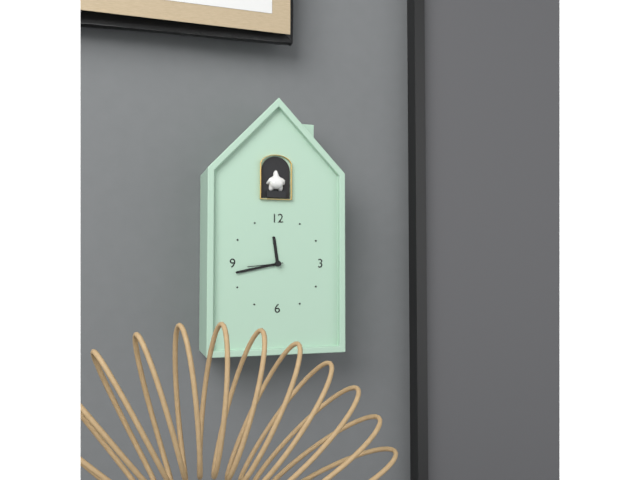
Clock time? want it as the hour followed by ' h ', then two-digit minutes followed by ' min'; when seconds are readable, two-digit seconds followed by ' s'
11 h 43 min
